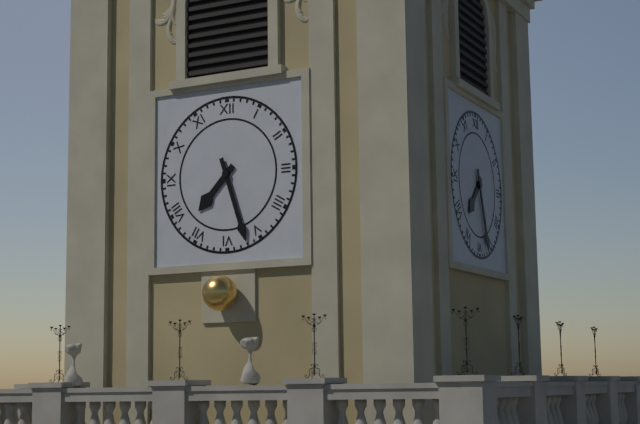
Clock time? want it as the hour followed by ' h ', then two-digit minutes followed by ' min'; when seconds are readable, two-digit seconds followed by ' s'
7 h 27 min
